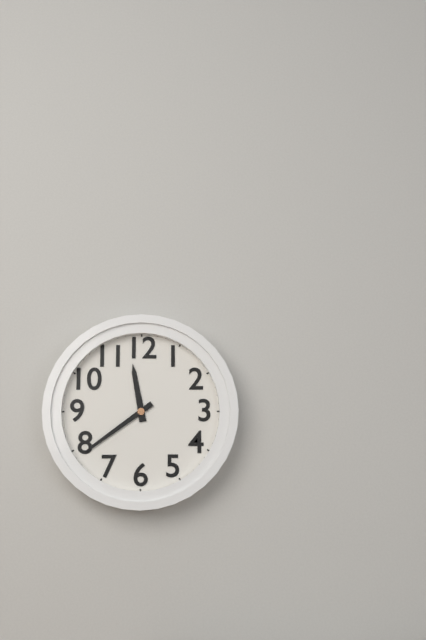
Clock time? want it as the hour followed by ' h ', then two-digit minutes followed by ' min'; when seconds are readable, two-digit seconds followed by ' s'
11 h 39 min
